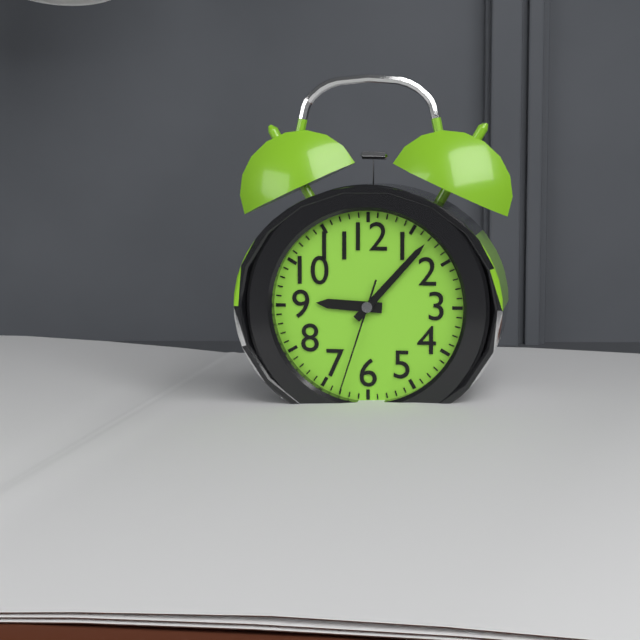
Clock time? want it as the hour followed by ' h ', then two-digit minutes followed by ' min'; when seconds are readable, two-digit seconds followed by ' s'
9 h 07 min 33 s
